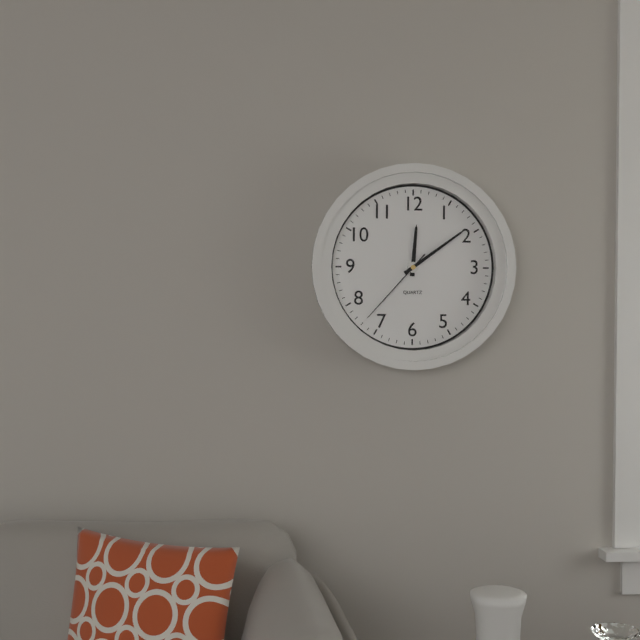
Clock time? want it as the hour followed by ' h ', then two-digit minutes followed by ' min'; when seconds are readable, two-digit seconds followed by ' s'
12 h 09 min 37 s
